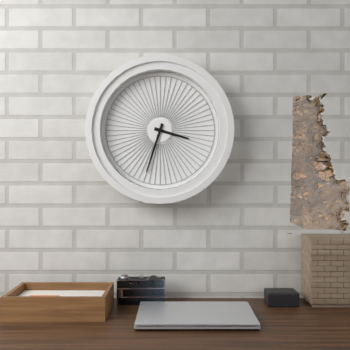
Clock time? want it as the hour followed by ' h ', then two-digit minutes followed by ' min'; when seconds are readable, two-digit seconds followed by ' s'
3 h 33 min
